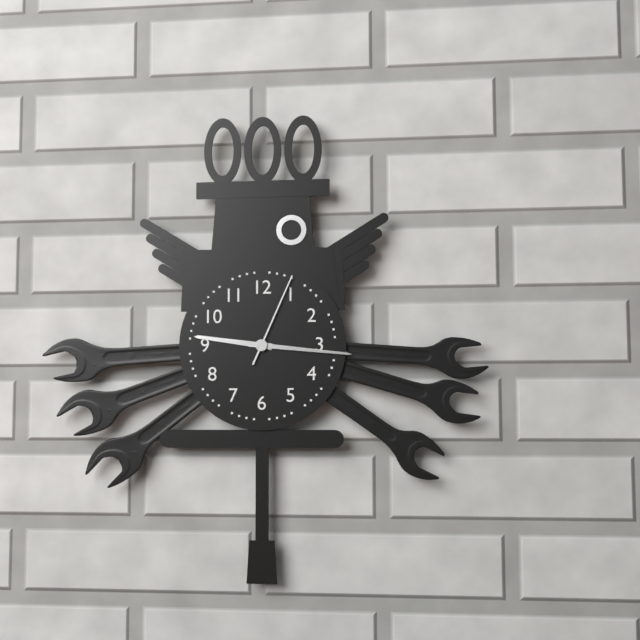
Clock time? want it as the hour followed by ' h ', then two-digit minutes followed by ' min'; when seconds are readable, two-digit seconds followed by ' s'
9 h 16 min 04 s
